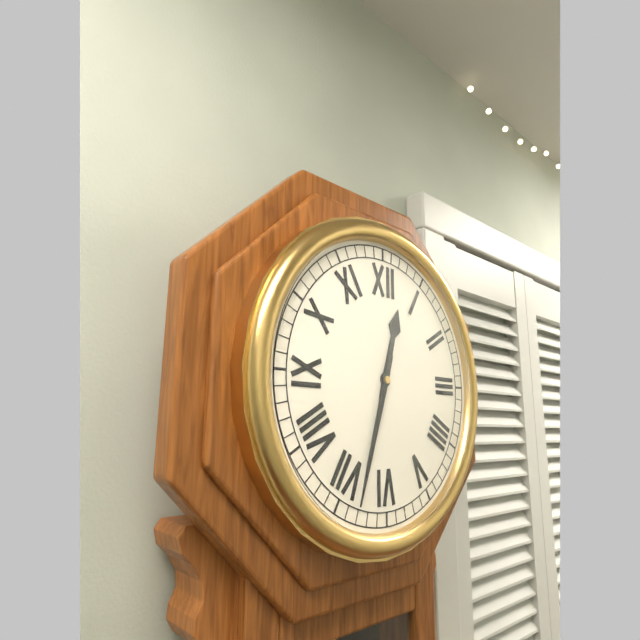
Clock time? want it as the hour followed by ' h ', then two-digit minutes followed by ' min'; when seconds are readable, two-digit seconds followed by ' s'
12 h 33 min
